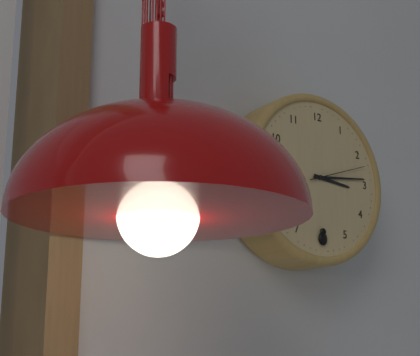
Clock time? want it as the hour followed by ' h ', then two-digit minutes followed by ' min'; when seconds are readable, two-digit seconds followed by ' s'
3 h 14 min 12 s
